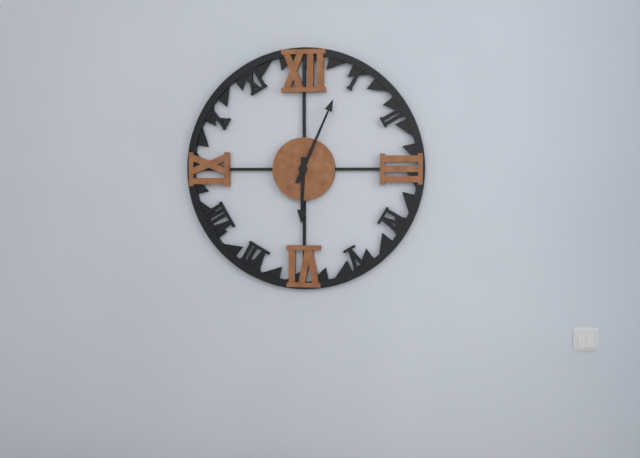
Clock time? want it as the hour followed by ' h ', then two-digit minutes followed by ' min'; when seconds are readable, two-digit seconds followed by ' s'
6 h 04 min
